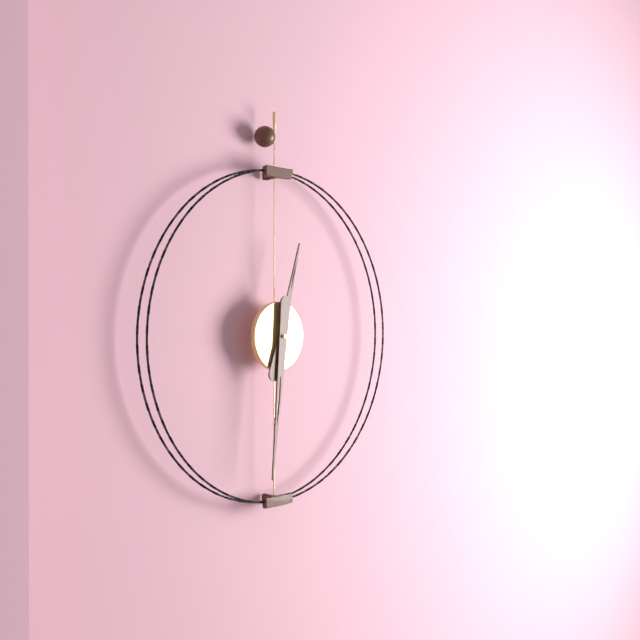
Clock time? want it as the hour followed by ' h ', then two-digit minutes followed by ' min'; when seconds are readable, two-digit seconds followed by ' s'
12 h 31 min
